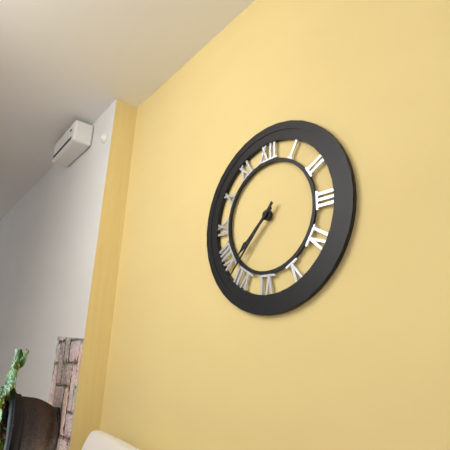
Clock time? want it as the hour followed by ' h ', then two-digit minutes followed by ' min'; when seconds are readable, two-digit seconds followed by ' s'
7 h 37 min
